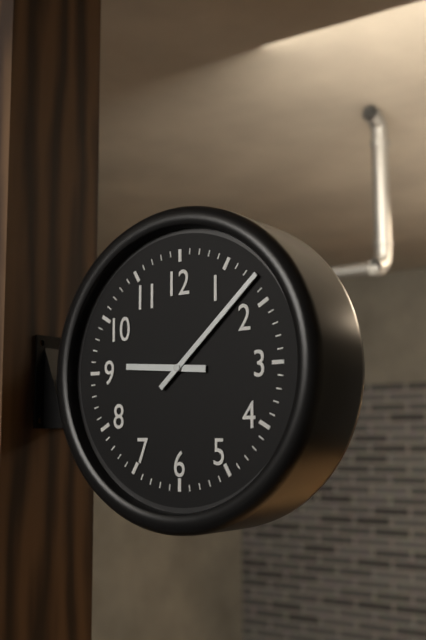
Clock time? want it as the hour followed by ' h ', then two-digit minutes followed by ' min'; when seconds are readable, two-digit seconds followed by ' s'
9 h 08 min
